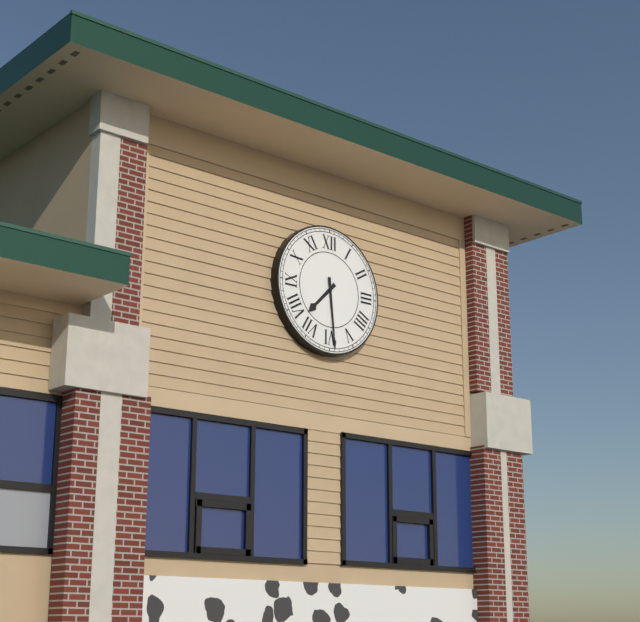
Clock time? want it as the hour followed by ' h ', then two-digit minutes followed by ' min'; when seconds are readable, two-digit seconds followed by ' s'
7 h 29 min
